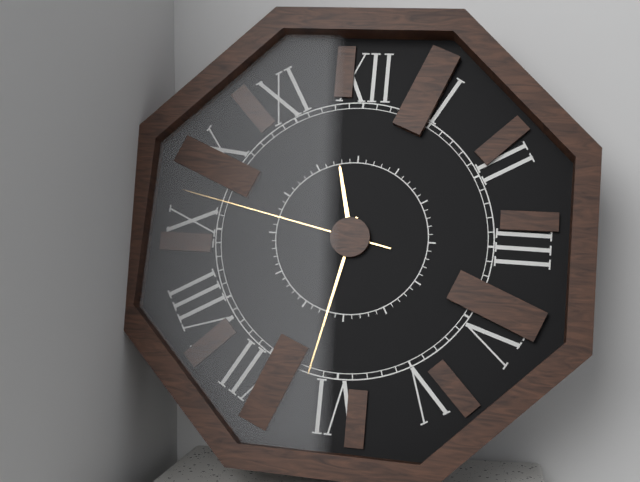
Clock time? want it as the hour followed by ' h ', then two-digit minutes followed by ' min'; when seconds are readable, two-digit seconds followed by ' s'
11 h 32 min 47 s
